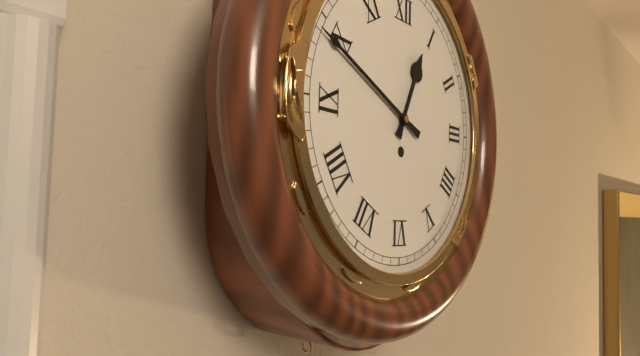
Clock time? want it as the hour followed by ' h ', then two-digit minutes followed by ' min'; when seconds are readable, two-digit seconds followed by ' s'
12 h 49 min
